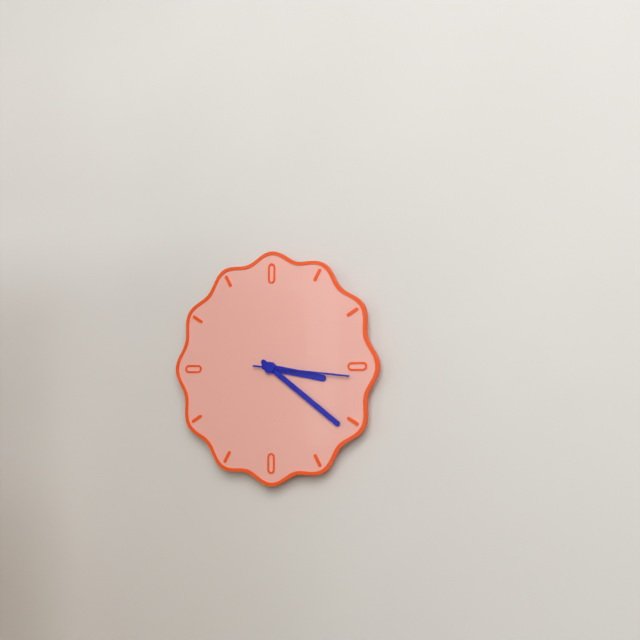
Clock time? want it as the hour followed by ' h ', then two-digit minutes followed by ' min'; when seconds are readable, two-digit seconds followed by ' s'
3 h 21 min 16 s
